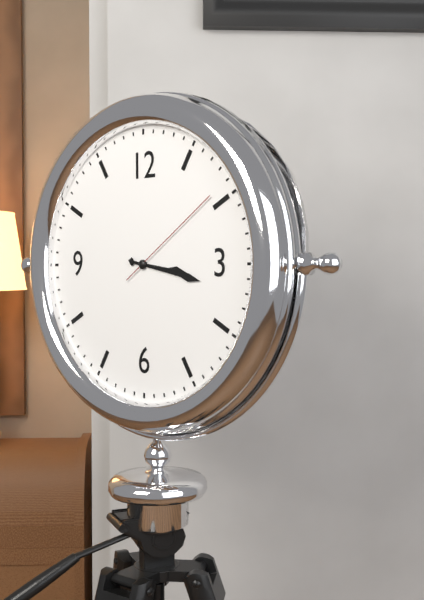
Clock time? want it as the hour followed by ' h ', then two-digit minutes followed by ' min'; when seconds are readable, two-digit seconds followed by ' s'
3 h 17 min 09 s
